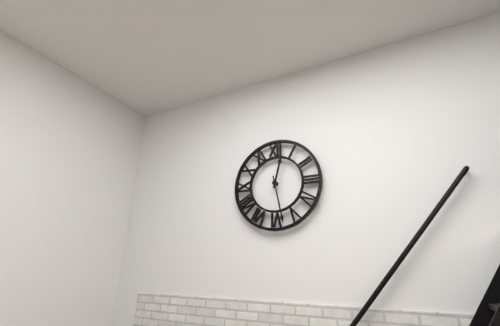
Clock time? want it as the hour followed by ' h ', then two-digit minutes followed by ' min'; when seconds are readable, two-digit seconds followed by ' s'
12 h 28 min
